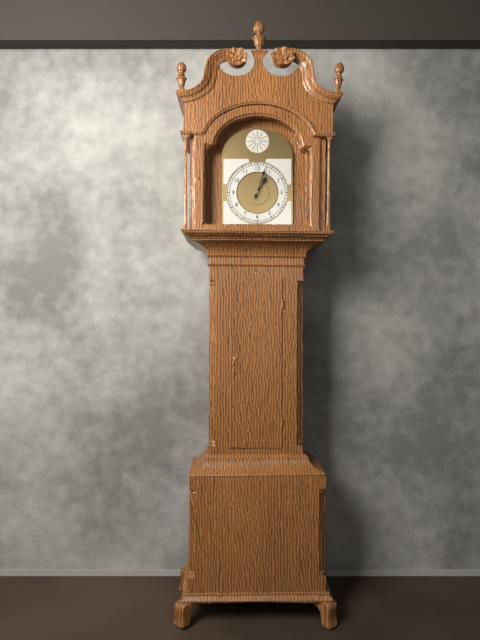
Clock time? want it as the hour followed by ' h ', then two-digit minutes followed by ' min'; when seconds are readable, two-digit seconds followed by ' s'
1 h 03 min
